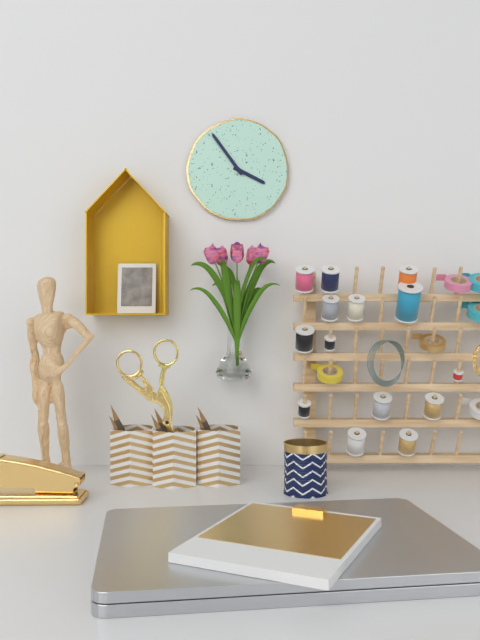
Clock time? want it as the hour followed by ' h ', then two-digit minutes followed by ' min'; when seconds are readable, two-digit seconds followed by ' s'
3 h 54 min
